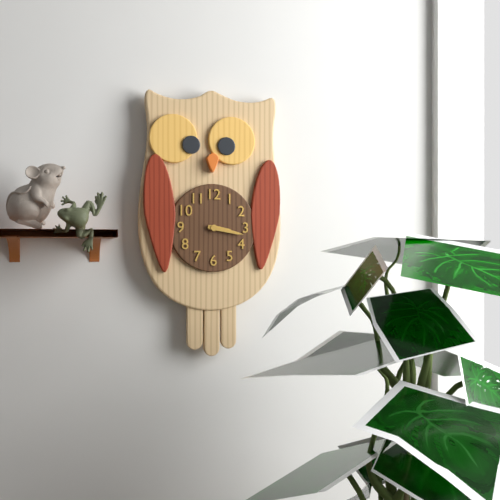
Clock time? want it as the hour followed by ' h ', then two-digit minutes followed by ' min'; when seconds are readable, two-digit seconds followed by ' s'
3 h 17 min
